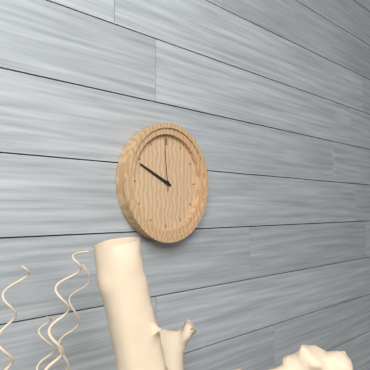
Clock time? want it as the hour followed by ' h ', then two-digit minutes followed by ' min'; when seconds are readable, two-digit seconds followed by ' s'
9 h 49 min
